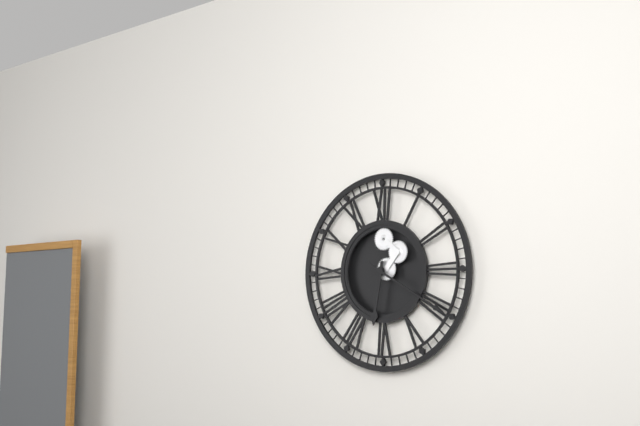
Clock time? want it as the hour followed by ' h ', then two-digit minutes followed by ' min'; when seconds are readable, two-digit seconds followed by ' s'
6 h 20 min
